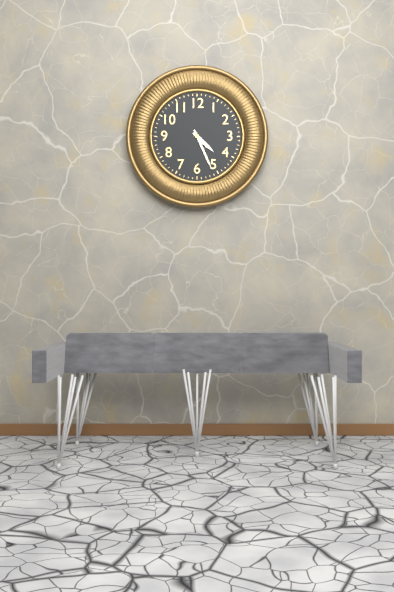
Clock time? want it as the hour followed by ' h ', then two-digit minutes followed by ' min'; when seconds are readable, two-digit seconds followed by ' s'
4 h 26 min
